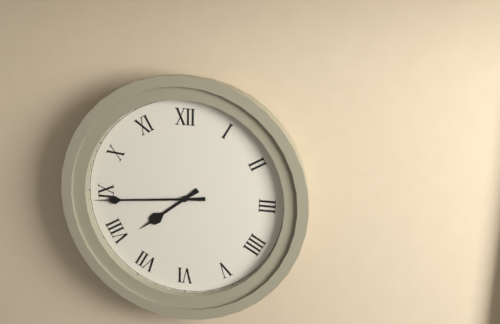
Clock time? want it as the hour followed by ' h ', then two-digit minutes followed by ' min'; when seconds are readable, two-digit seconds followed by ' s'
7 h 44 min
